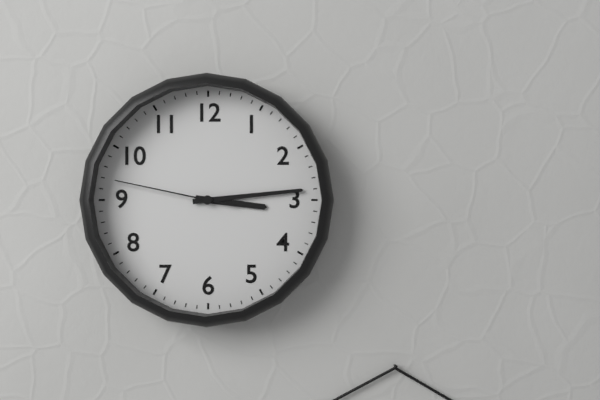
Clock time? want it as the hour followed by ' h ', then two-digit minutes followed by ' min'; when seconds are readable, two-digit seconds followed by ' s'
3 h 14 min 47 s
